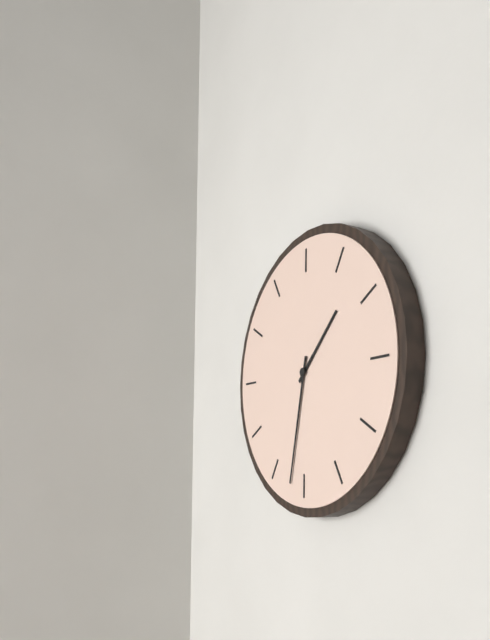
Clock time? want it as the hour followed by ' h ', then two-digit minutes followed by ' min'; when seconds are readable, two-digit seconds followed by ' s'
1 h 32 min
